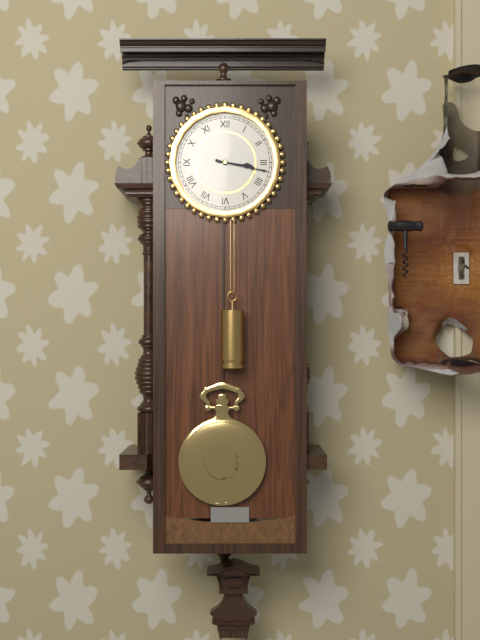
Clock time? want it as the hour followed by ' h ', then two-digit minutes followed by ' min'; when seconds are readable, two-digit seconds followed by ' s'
3 h 17 min
